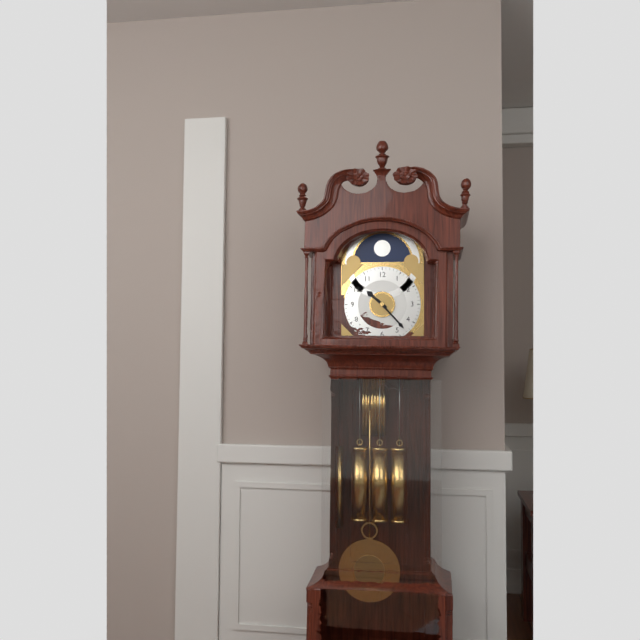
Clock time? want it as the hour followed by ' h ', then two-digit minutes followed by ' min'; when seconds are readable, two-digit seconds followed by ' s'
10 h 23 min
